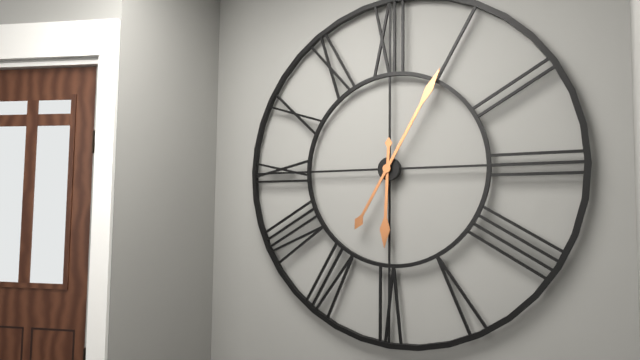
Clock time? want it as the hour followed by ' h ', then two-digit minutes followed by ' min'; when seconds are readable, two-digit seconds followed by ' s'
6 h 05 min
